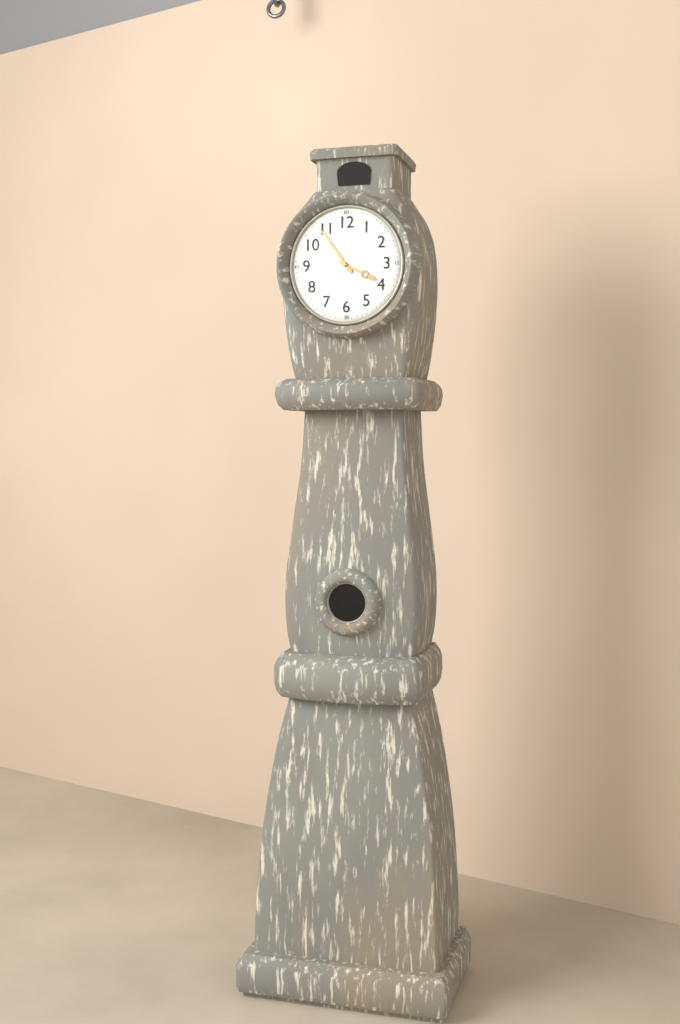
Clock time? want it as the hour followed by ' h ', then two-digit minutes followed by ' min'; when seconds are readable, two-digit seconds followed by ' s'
3 h 54 min
